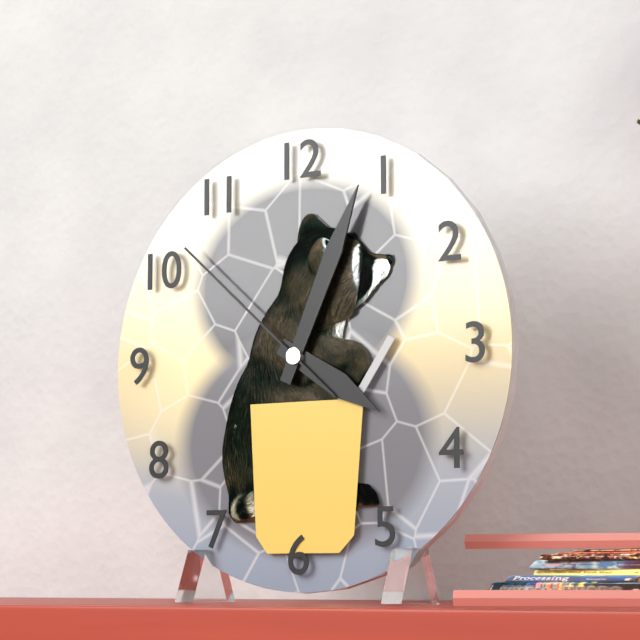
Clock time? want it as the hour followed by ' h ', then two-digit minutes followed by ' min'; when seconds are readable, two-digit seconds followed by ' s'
4 h 04 min 52 s
